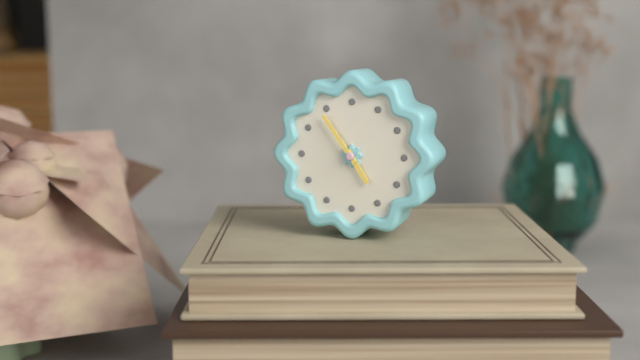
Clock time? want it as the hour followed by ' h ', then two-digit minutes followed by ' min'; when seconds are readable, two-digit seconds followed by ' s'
4 h 54 min
